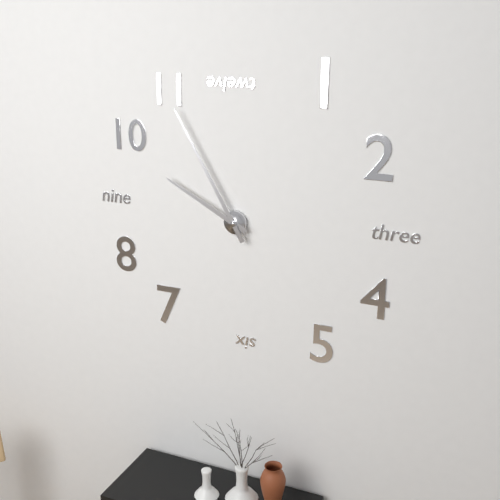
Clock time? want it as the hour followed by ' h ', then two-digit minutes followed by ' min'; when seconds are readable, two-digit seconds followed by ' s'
9 h 55 min
